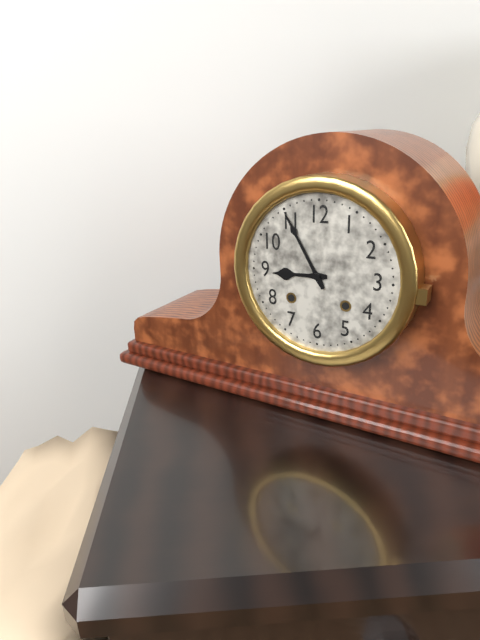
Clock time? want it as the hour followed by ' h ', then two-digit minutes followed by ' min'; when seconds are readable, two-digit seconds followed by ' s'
8 h 55 min
